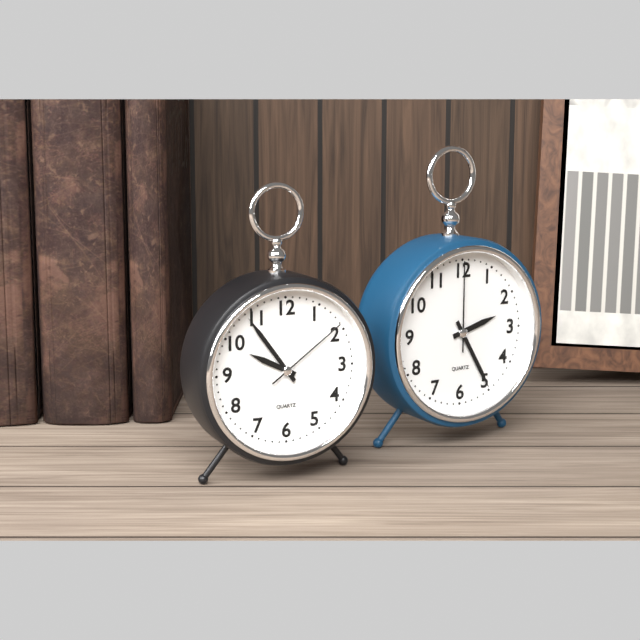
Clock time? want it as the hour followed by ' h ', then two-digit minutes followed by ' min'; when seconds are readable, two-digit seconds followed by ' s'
9 h 54 min 09 s
